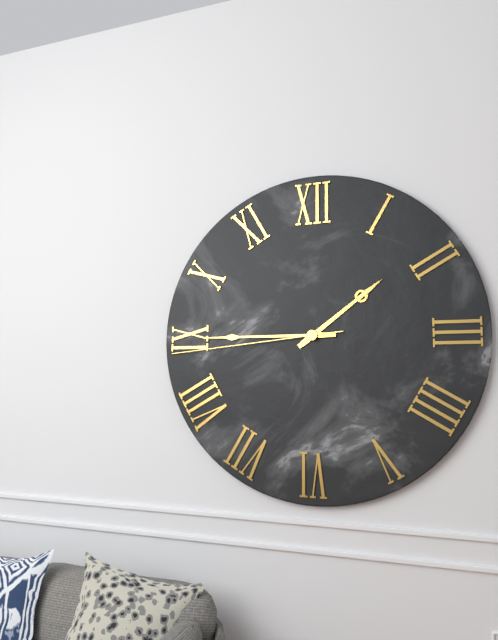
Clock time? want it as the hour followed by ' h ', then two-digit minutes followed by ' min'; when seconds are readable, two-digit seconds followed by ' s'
1 h 45 min 44 s
